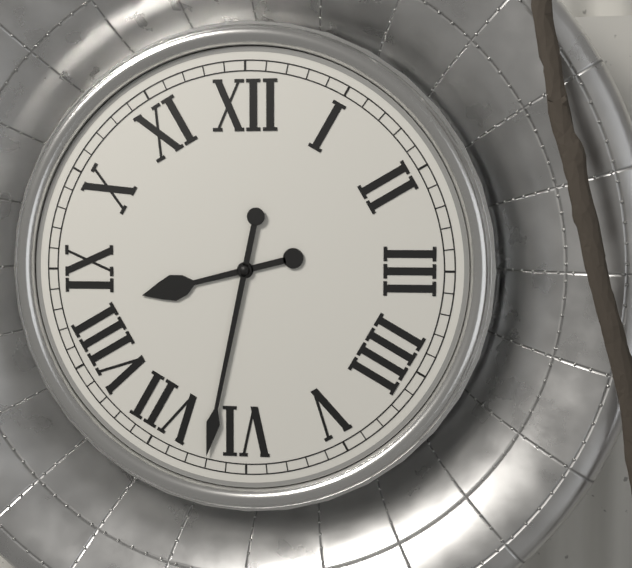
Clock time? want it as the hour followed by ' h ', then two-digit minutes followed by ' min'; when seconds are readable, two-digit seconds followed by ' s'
8 h 32 min
